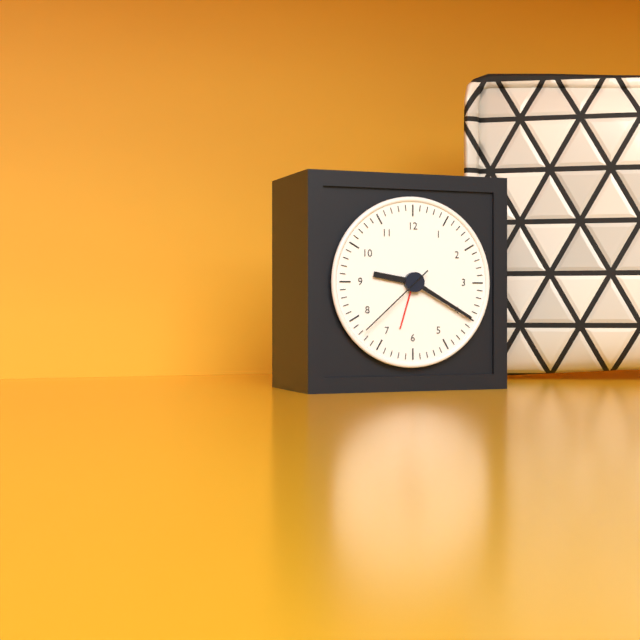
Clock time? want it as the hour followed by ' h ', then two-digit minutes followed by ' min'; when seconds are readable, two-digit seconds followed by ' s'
9 h 20 min 38 s
